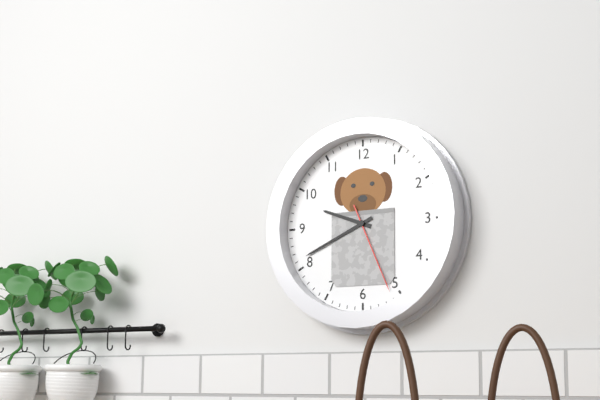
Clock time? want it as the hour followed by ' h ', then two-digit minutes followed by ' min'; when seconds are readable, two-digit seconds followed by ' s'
9 h 41 min 26 s
